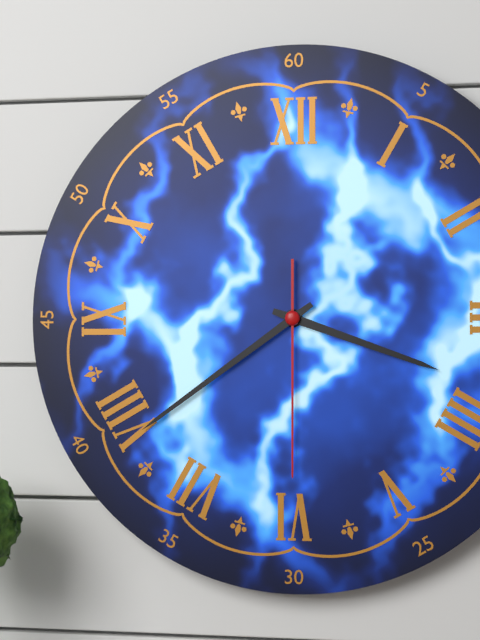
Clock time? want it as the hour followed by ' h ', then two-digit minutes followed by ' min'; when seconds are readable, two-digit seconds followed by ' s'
3 h 39 min 30 s
